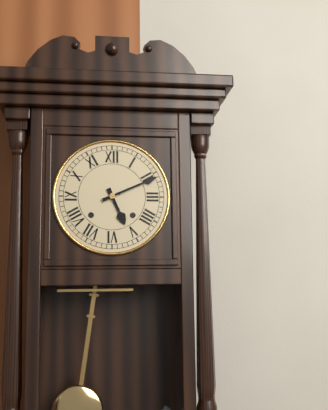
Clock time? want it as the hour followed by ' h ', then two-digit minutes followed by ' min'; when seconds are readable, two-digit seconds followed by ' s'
5 h 11 min
